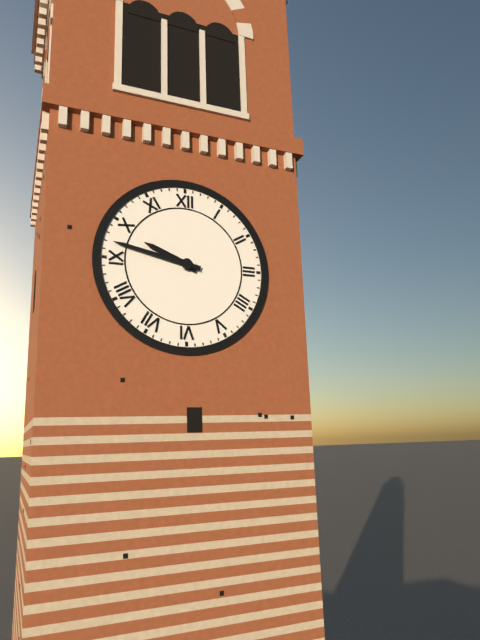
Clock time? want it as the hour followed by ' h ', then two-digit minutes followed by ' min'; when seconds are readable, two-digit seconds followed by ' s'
9 h 47 min
